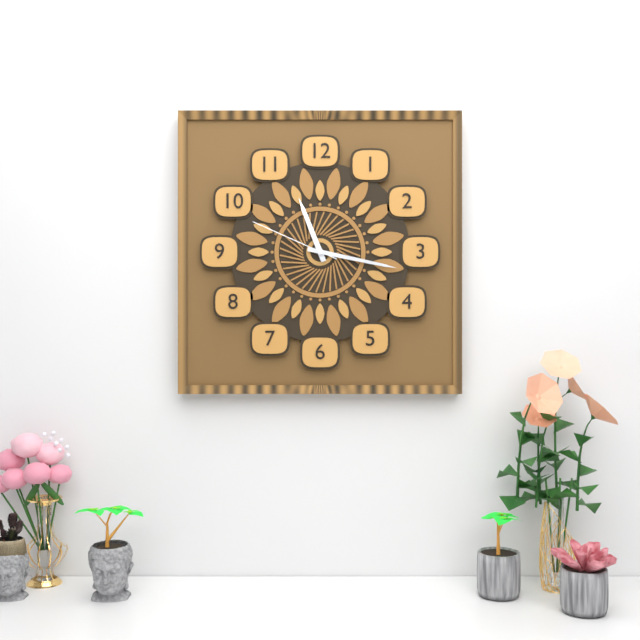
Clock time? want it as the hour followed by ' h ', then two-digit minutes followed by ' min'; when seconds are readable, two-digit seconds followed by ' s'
11 h 17 min 49 s
